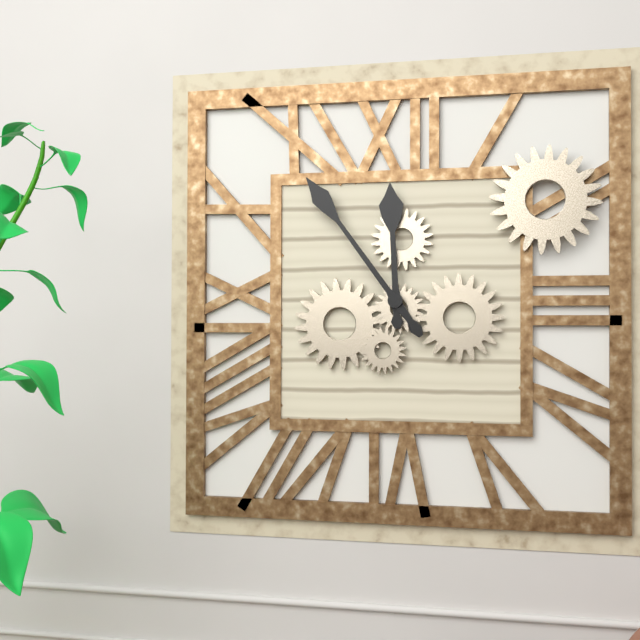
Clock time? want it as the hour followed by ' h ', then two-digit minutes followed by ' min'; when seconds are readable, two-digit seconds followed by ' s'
11 h 54 min
